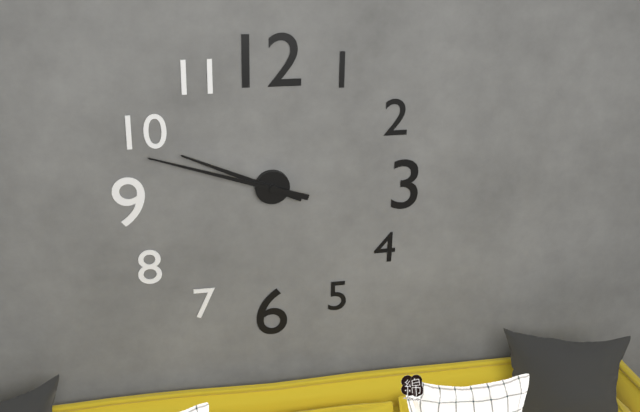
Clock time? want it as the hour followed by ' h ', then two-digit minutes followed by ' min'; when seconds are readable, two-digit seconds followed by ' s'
9 h 48 min
